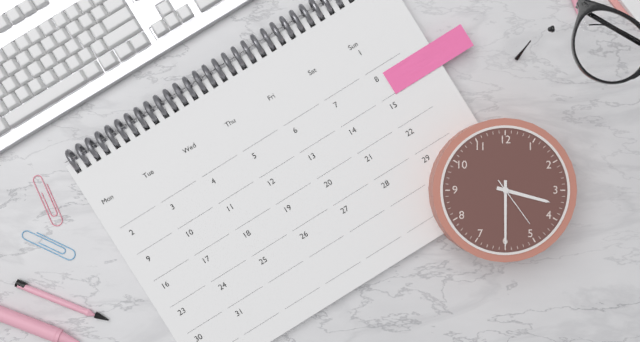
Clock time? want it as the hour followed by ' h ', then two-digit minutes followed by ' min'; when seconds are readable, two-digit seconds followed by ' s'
3 h 30 min 24 s
